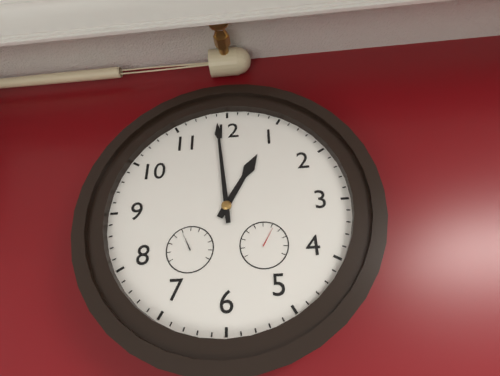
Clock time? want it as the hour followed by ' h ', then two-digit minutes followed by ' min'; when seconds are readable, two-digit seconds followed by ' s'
12 h 59 min
